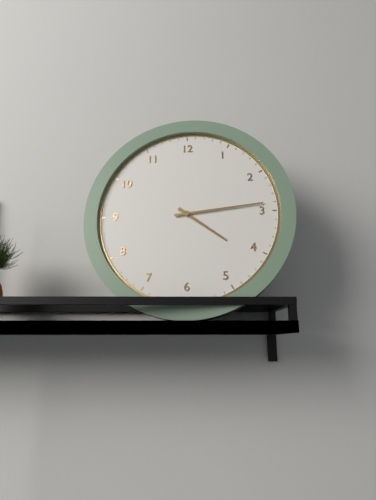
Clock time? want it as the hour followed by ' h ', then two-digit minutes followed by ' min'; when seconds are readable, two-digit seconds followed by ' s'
4 h 14 min
